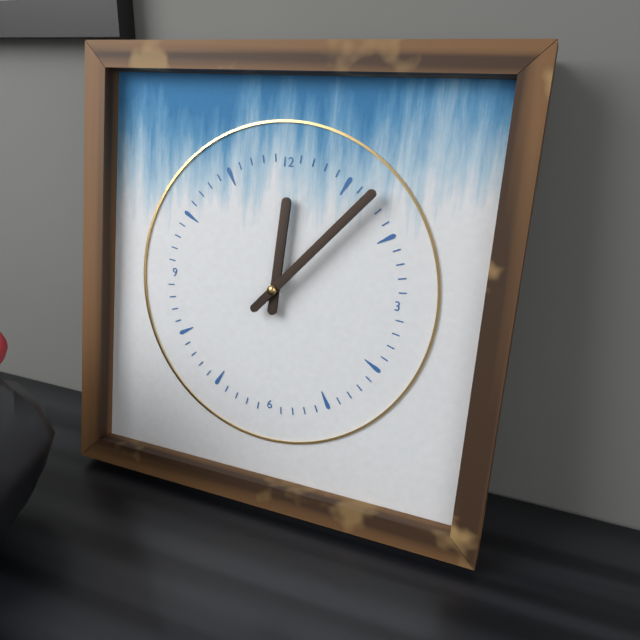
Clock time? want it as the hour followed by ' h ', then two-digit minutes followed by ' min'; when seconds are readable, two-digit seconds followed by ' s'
12 h 07 min
